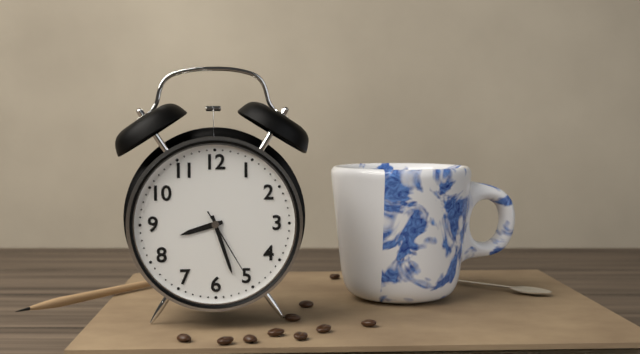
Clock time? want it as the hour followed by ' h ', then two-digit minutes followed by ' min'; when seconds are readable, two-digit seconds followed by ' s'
8 h 27 min 25 s
